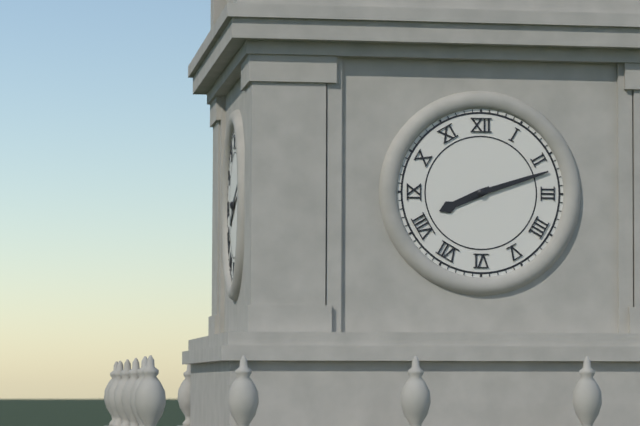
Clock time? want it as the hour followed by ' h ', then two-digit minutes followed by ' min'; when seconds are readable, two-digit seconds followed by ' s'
8 h 12 min
